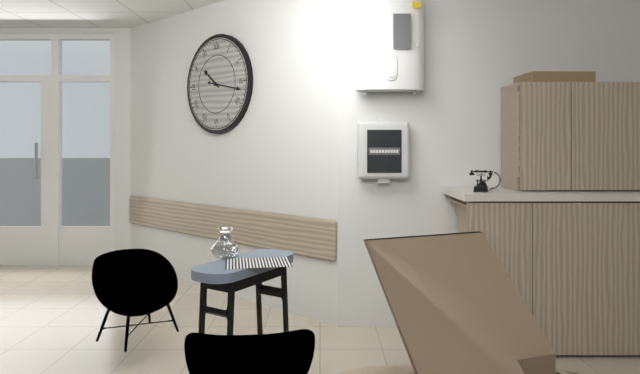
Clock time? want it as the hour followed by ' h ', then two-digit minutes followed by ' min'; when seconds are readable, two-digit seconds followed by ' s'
10 h 17 min
